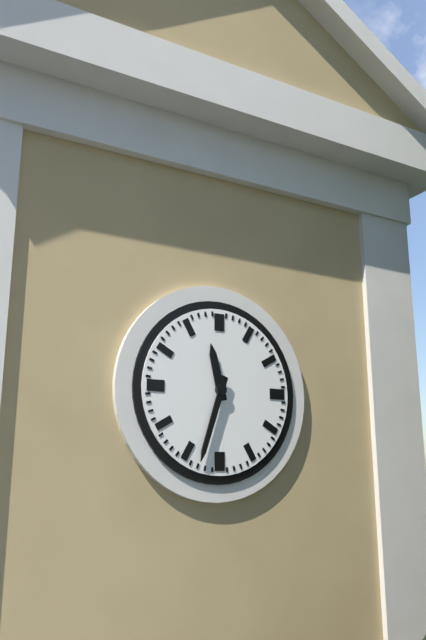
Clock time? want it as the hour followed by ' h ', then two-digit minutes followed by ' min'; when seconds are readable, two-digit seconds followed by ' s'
11 h 33 min
